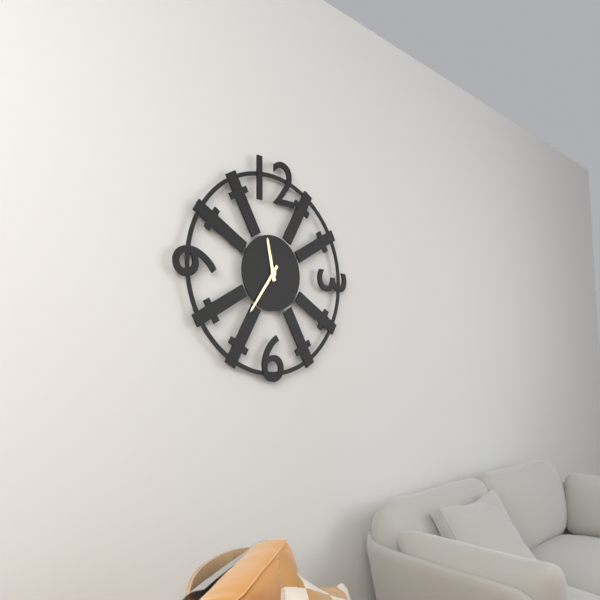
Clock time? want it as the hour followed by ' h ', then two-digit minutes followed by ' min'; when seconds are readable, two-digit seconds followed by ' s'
11 h 36 min
